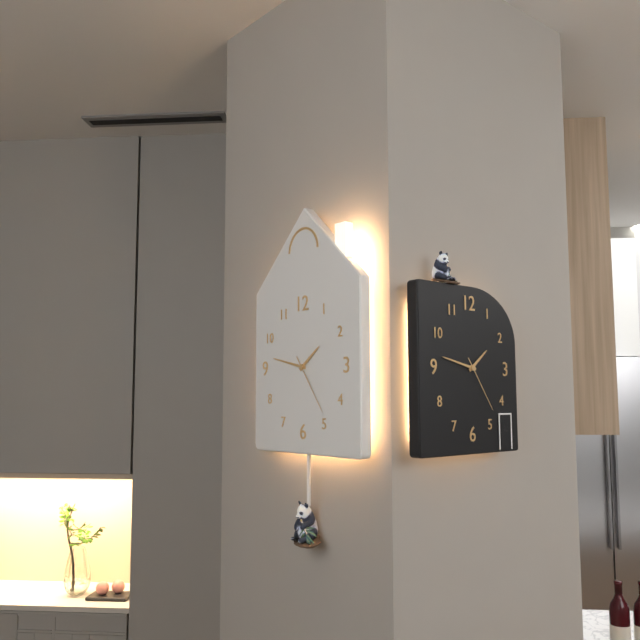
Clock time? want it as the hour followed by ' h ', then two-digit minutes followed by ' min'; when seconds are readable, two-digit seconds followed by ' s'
1 h 47 min 24 s
